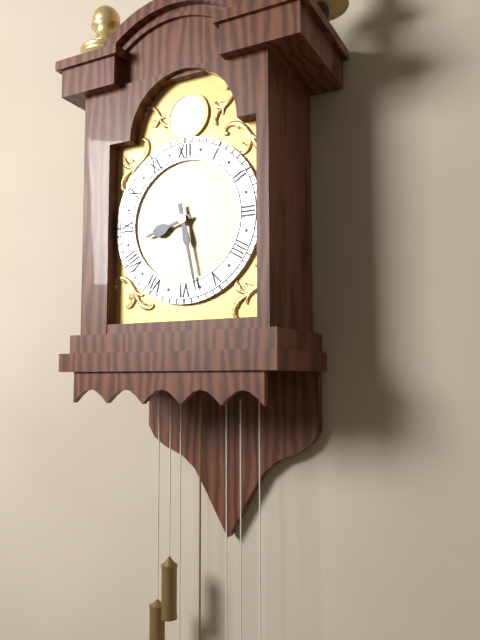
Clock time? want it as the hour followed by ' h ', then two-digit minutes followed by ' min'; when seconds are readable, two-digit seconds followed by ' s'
8 h 28 min
